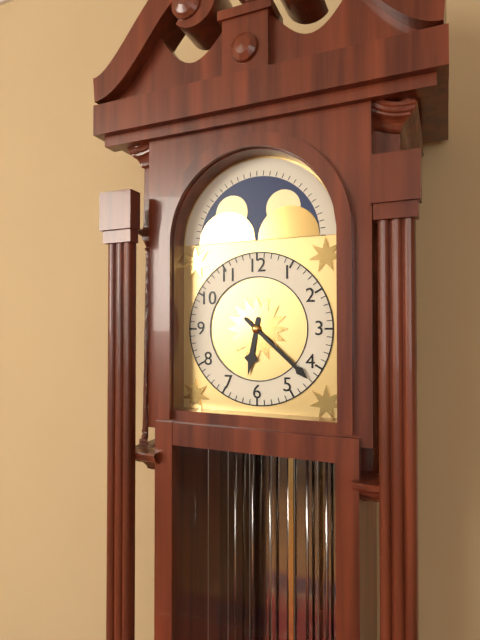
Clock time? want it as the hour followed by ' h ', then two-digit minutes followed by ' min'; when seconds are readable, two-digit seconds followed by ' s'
6 h 22 min
